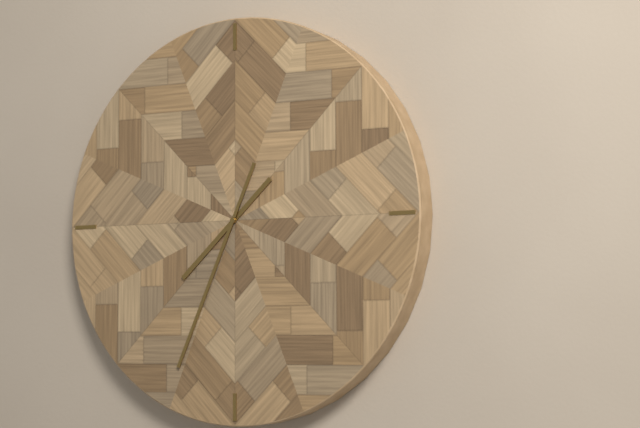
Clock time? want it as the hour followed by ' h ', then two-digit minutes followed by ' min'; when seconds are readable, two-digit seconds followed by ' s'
7 h 34 min
